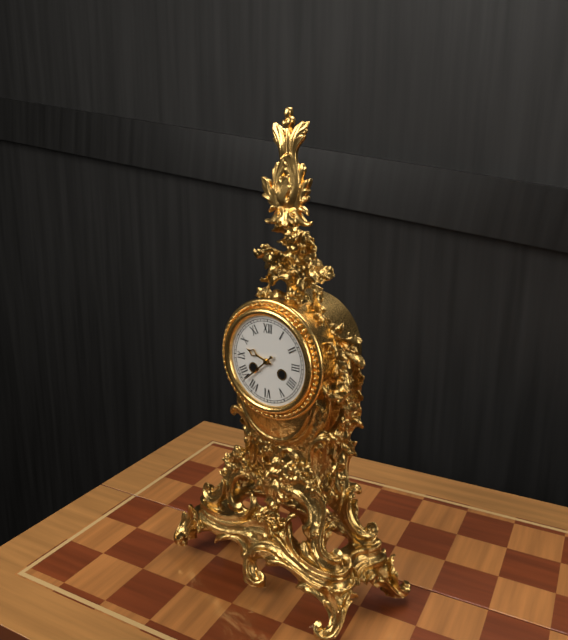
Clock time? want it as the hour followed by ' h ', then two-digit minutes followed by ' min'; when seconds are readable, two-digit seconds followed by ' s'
9 h 38 min
